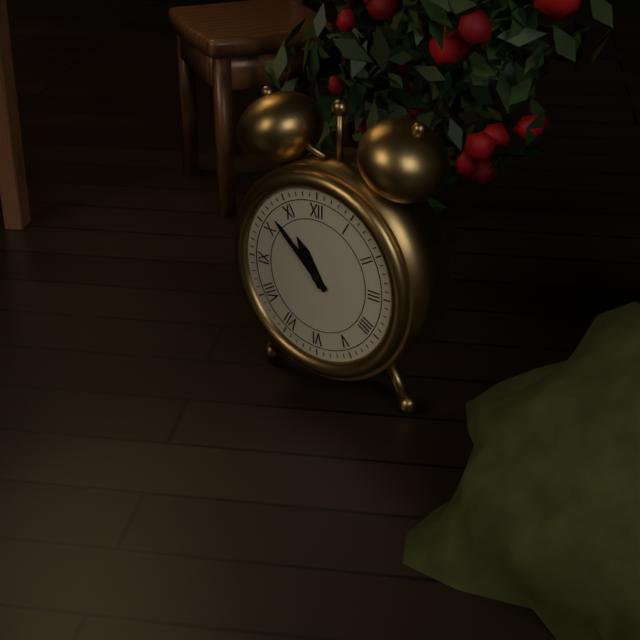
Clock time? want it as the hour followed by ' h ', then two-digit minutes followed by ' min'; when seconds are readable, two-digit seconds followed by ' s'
10 h 52 min
